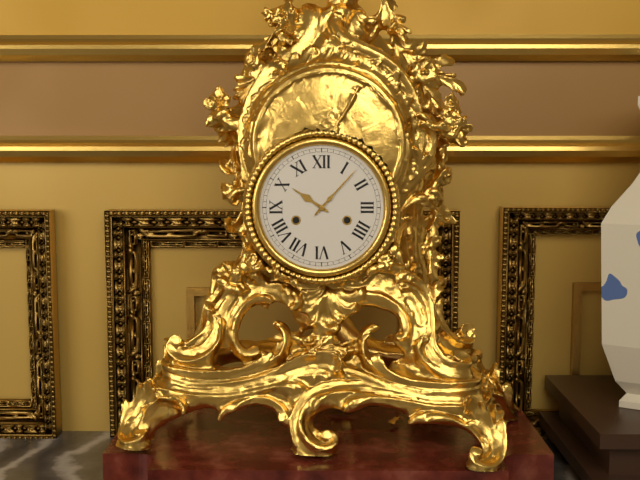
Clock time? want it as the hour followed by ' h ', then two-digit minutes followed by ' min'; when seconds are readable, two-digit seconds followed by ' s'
10 h 07 min
